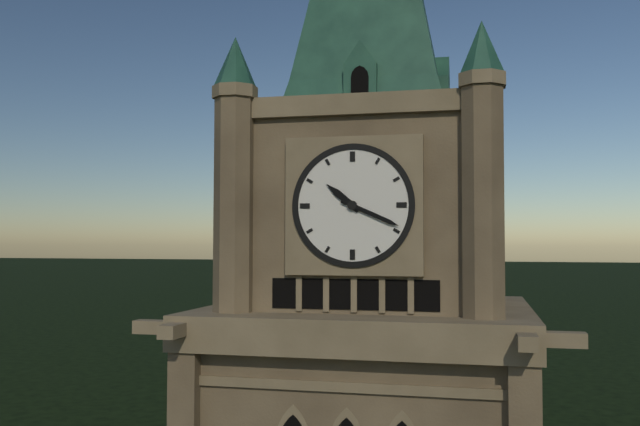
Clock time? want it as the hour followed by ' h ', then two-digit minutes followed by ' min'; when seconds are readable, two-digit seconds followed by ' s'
10 h 19 min
